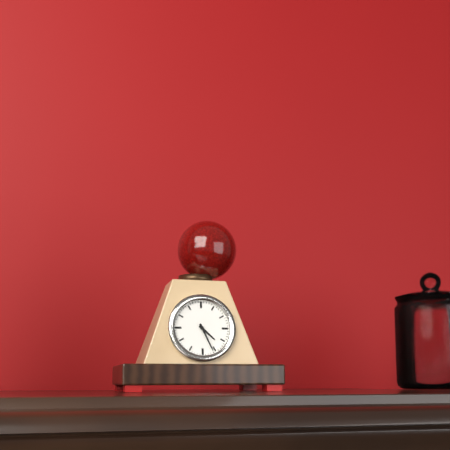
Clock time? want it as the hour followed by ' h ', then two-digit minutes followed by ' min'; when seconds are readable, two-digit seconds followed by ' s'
4 h 26 min
